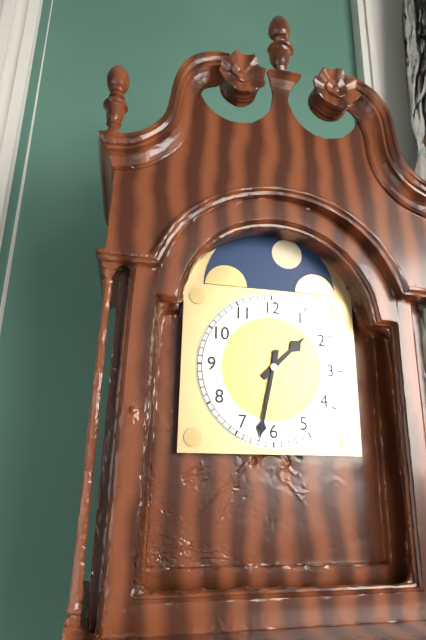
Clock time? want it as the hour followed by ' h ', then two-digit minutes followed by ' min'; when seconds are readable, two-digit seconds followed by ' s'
1 h 32 min
